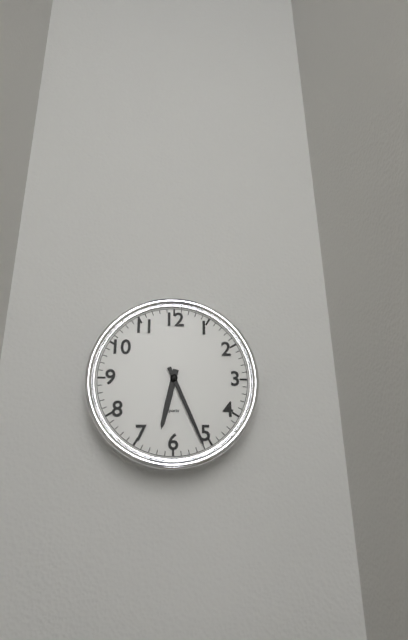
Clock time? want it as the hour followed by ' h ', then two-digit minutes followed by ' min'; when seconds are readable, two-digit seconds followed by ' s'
6 h 26 min
